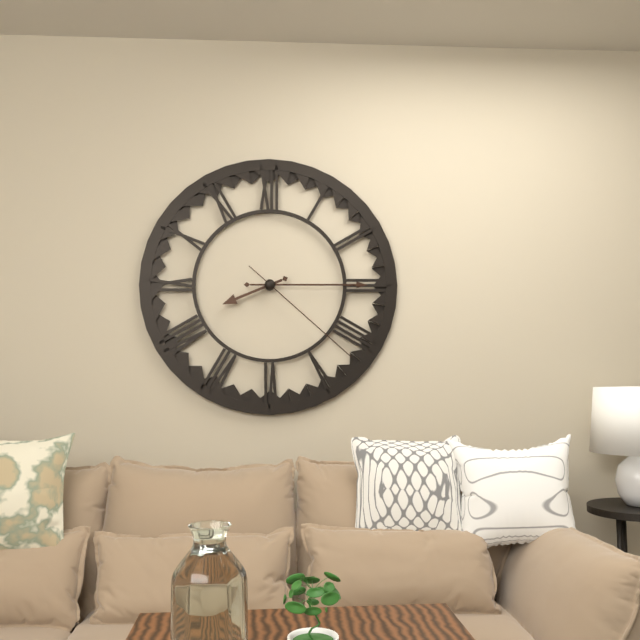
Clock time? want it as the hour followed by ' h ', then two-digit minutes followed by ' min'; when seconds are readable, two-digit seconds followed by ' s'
8 h 15 min 22 s
